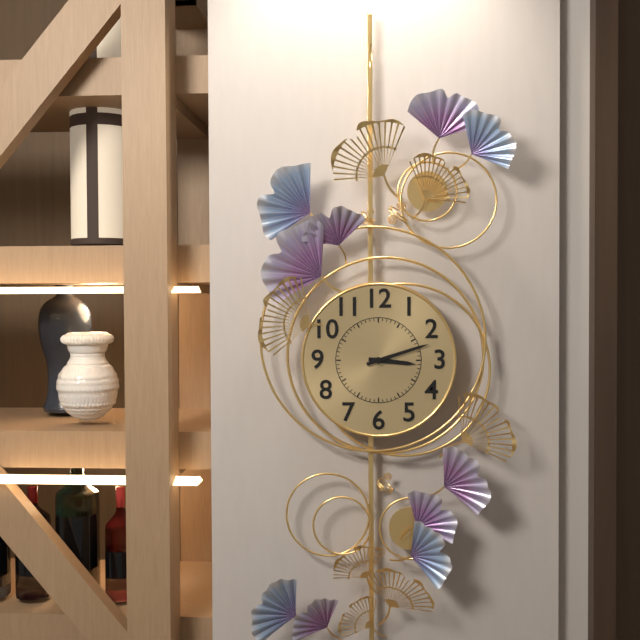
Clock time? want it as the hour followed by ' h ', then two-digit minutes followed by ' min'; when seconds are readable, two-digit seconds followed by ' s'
3 h 12 min
